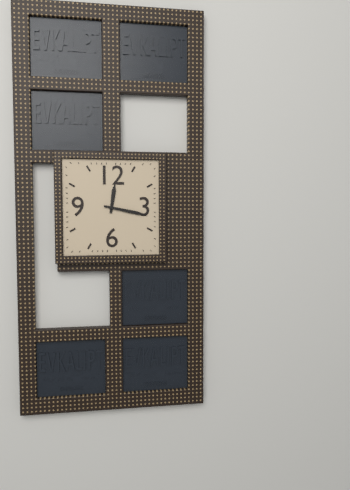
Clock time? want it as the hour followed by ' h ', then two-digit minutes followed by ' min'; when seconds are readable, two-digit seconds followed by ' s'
12 h 17 min
